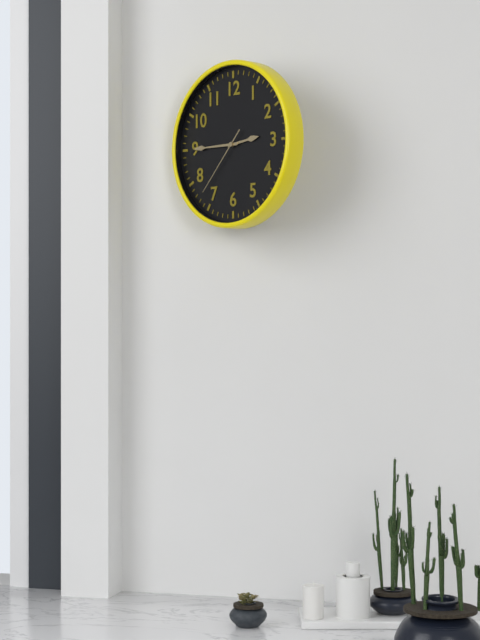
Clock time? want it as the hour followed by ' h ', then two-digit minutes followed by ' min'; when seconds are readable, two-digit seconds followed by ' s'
2 h 45 min 37 s
